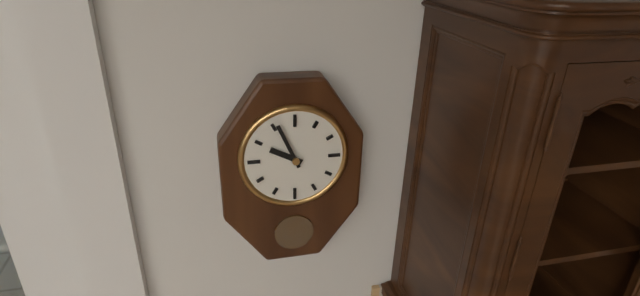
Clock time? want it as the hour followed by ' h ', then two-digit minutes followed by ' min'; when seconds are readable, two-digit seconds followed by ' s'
9 h 56 min
